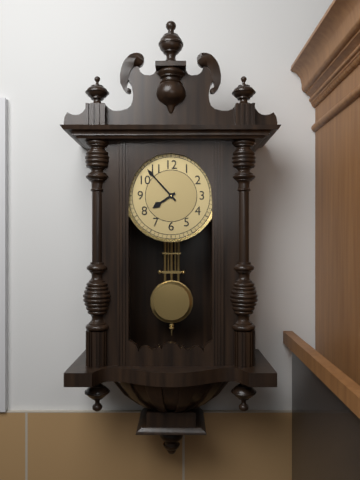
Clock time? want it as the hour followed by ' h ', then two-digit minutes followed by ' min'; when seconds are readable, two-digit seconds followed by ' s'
7 h 53 min
